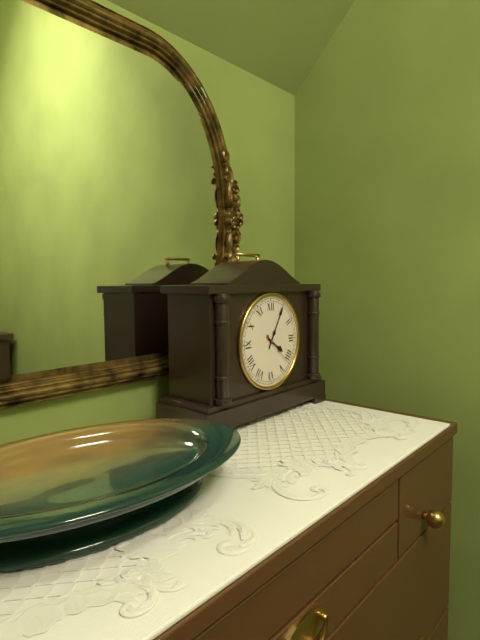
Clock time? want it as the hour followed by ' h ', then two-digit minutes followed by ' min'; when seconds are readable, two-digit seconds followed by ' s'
4 h 05 min
